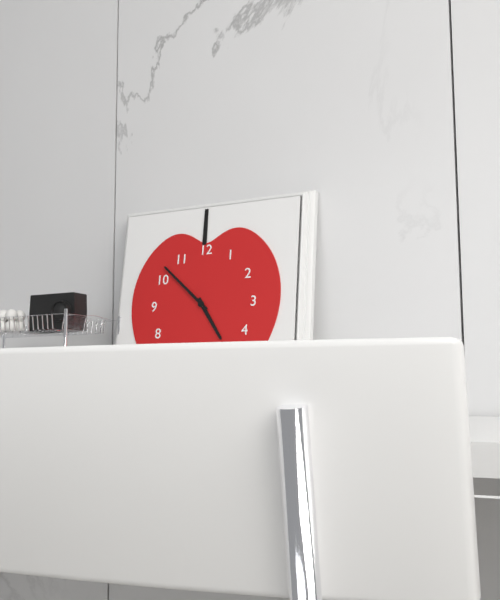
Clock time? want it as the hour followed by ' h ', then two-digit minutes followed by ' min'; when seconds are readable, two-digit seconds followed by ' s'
4 h 52 min
